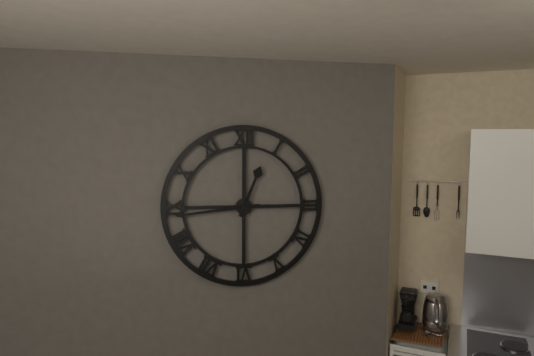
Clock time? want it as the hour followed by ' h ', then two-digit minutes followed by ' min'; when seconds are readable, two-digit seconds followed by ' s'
12 h 44 min
